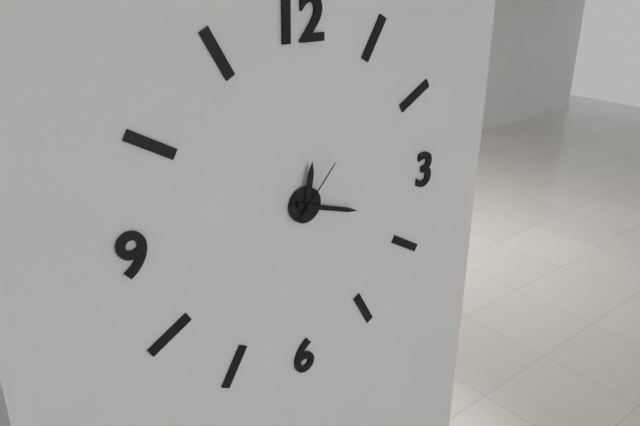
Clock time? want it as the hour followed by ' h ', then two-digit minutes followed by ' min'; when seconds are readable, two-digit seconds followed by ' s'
12 h 18 min 07 s
